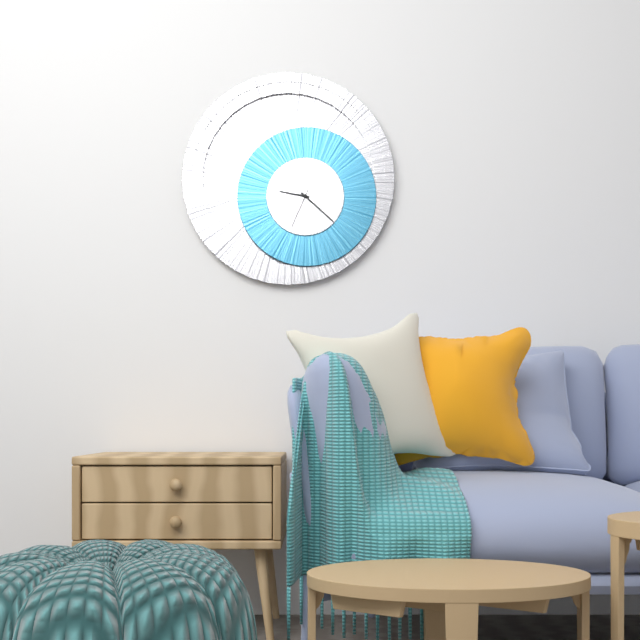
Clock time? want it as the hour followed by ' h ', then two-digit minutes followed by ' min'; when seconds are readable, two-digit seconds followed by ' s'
9 h 22 min
